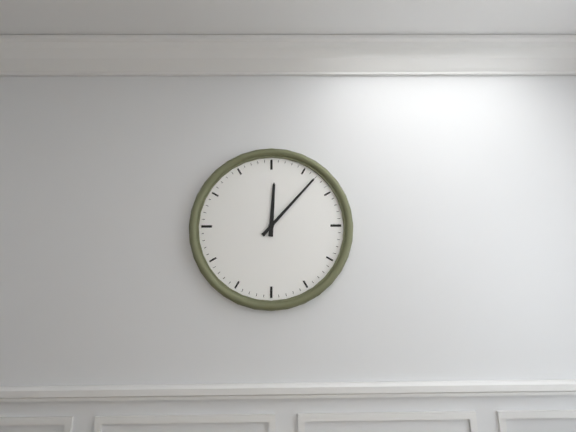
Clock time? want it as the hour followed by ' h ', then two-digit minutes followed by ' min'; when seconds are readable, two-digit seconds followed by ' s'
12 h 07 min
